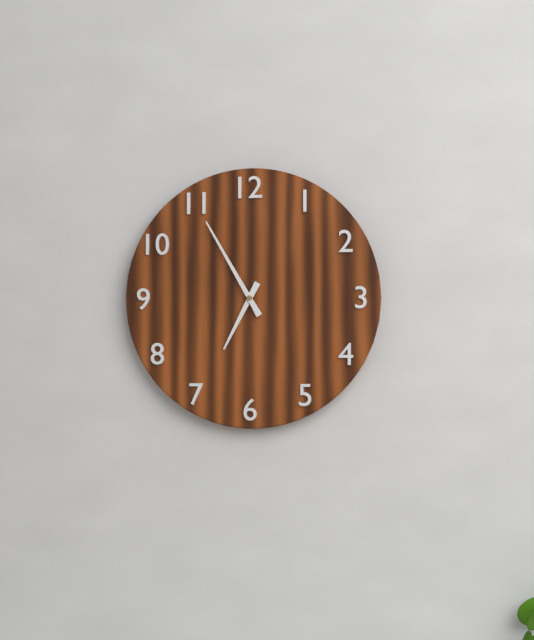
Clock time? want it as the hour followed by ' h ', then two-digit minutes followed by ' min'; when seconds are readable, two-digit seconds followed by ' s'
6 h 55 min
